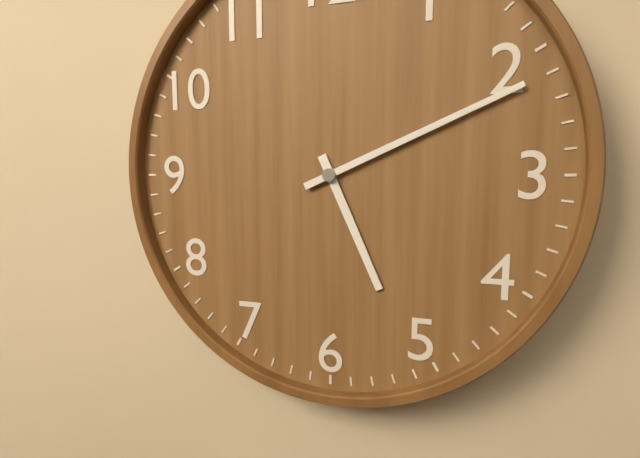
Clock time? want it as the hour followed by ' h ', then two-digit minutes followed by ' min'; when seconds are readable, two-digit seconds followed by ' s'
5 h 11 min
